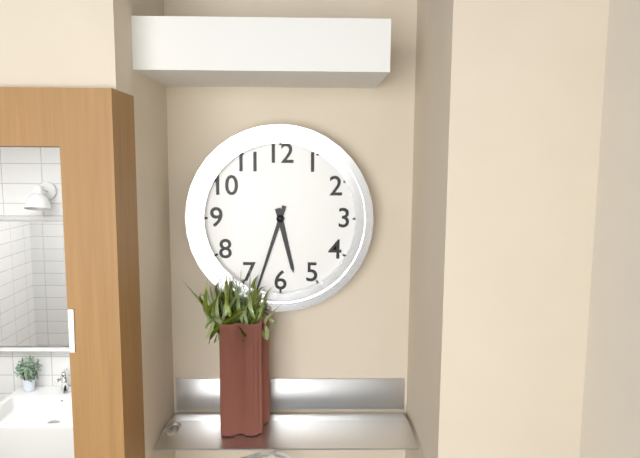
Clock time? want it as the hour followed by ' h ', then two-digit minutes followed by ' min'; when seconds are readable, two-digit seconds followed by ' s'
5 h 33 min
